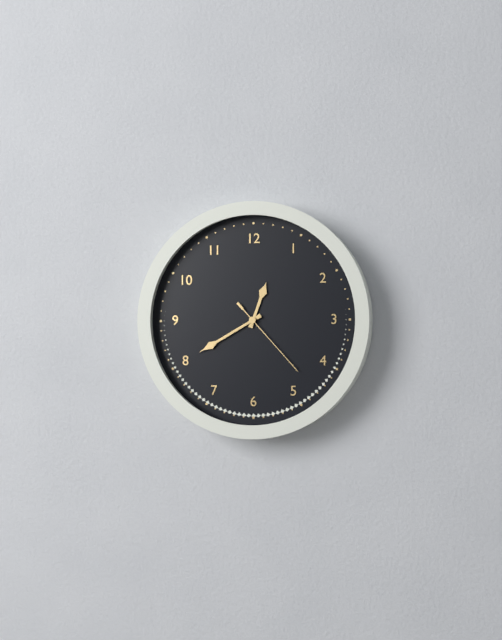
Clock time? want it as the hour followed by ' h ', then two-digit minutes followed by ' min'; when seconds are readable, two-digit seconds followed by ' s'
12 h 40 min 23 s
